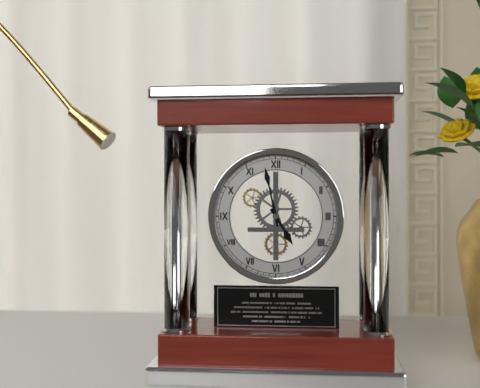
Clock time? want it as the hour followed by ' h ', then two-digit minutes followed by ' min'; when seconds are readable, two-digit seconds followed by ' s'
4 h 58 min
